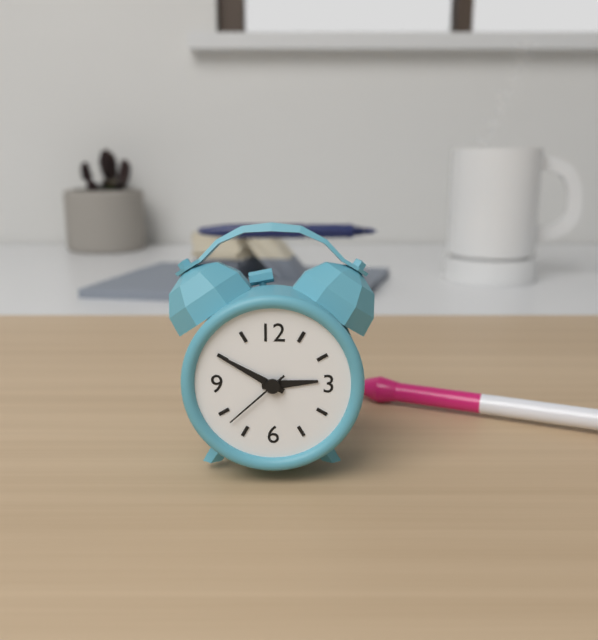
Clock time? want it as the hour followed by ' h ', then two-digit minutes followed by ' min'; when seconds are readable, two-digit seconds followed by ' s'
2 h 50 min 38 s
